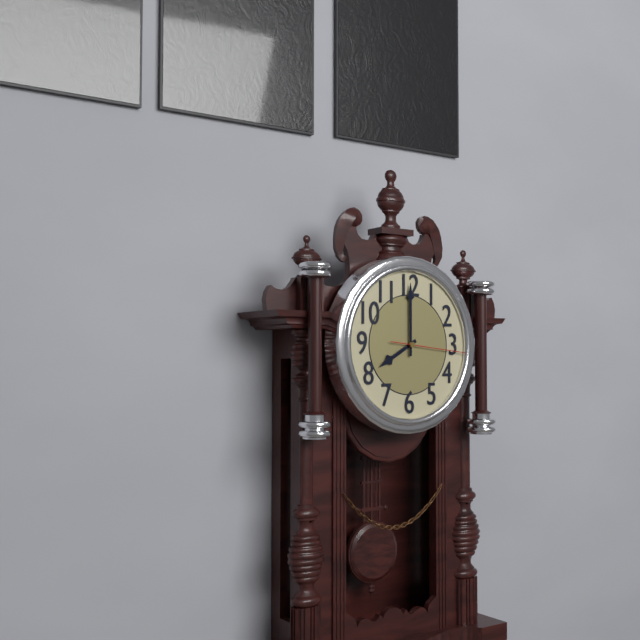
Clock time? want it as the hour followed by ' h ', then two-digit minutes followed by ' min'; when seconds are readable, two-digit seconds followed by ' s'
8 h 00 min 16 s
